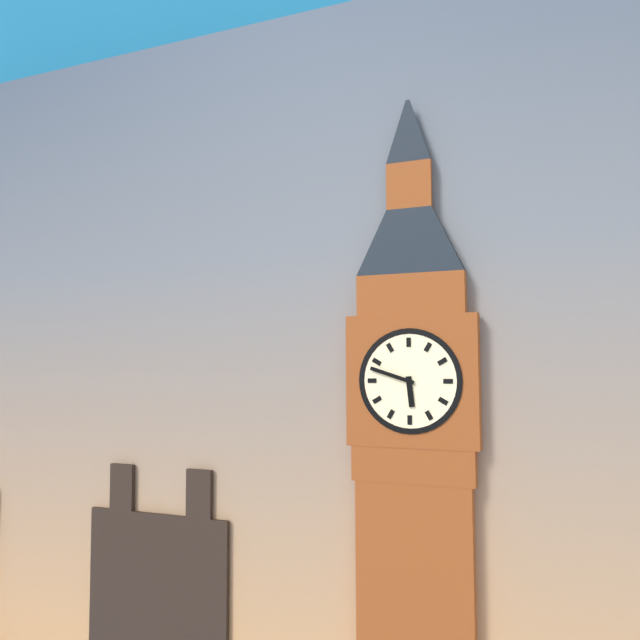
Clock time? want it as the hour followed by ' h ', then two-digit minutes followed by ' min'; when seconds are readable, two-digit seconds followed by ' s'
5 h 48 min
